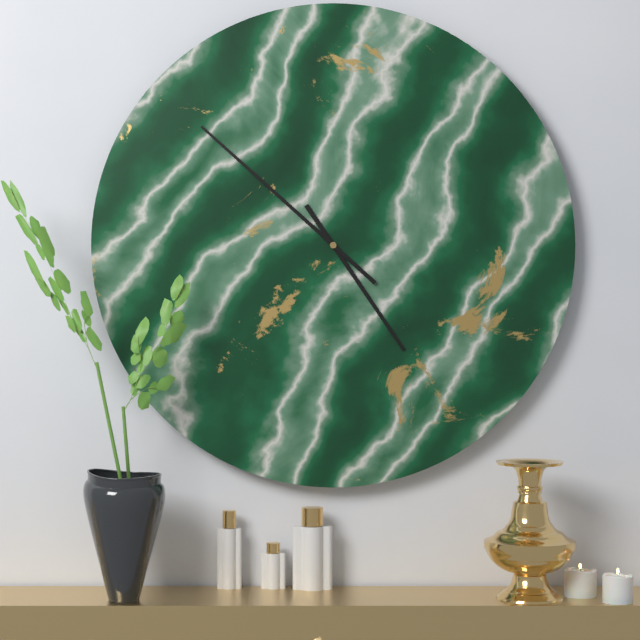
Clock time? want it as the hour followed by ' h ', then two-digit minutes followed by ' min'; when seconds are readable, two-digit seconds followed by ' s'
4 h 52 min
